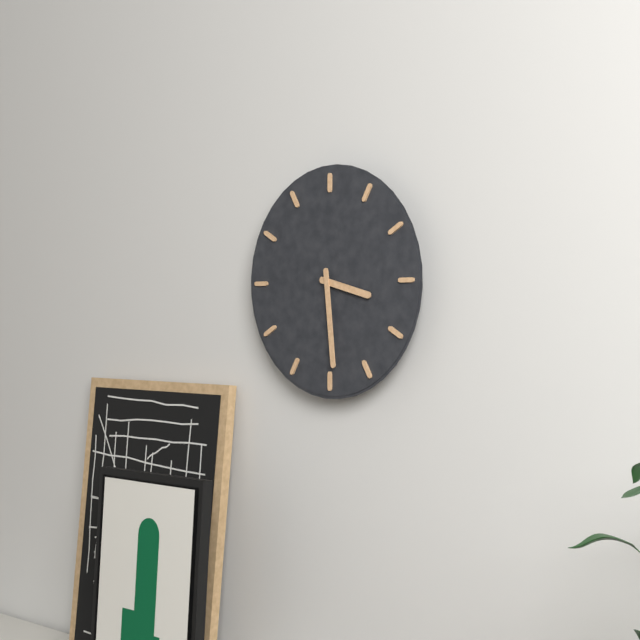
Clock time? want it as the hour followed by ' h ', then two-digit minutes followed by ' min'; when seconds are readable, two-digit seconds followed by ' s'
3 h 29 min
